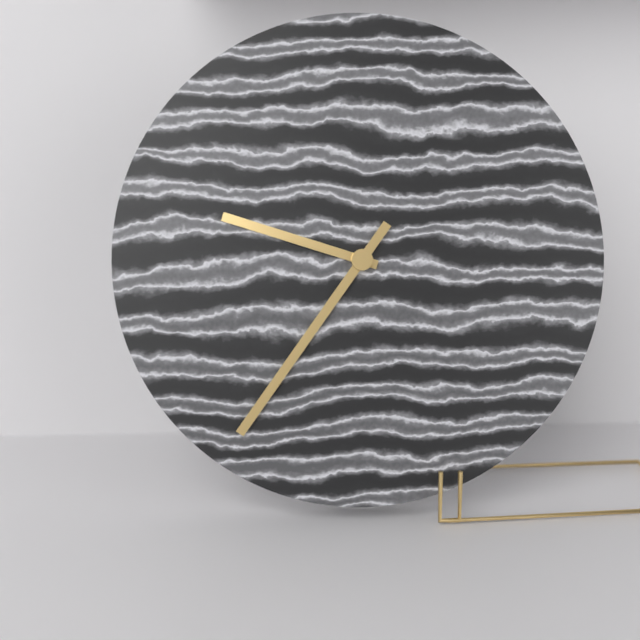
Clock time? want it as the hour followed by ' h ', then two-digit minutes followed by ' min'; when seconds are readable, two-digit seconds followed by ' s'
9 h 36 min
